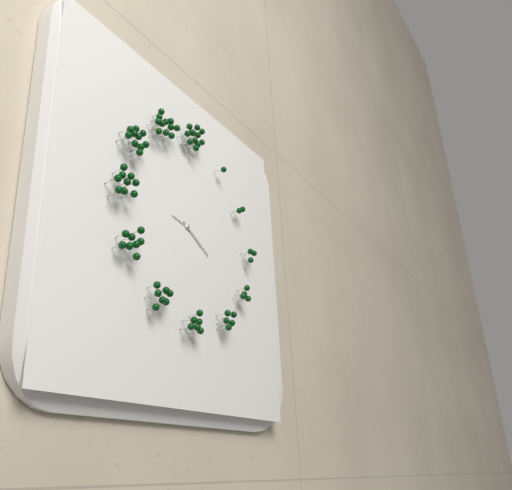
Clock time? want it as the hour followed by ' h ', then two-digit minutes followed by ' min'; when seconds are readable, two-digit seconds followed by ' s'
9 h 20 min
